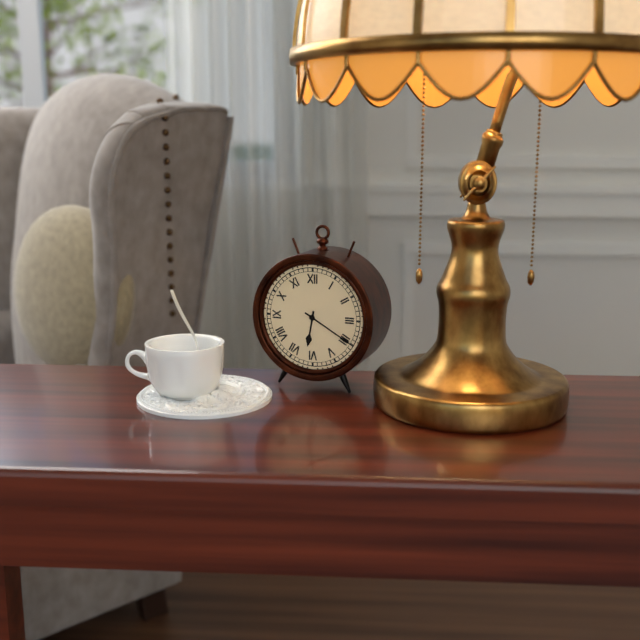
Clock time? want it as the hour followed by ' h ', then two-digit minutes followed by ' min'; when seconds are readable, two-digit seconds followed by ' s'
6 h 20 min
